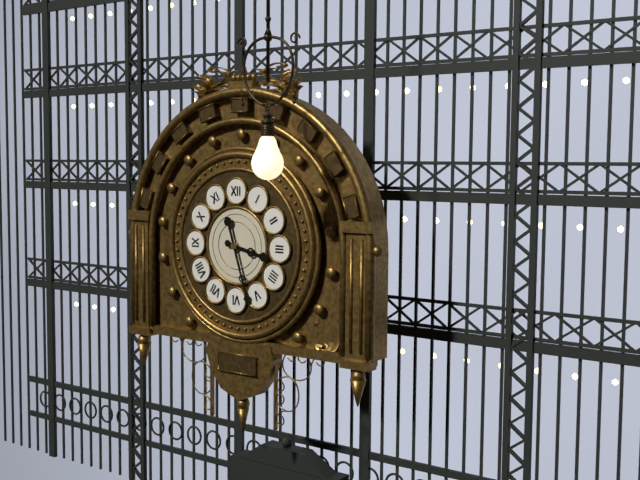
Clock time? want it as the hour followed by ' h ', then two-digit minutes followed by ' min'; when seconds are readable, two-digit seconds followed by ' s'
3 h 27 min
